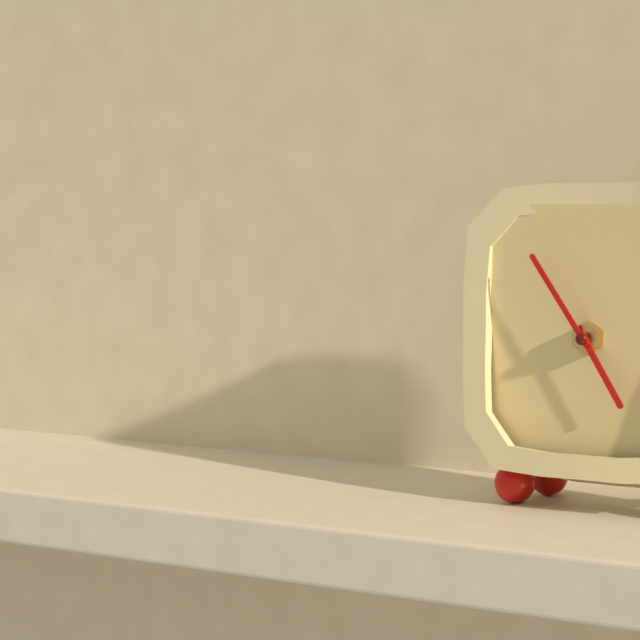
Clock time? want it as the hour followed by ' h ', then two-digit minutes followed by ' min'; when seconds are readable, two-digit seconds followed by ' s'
4 h 54 min
